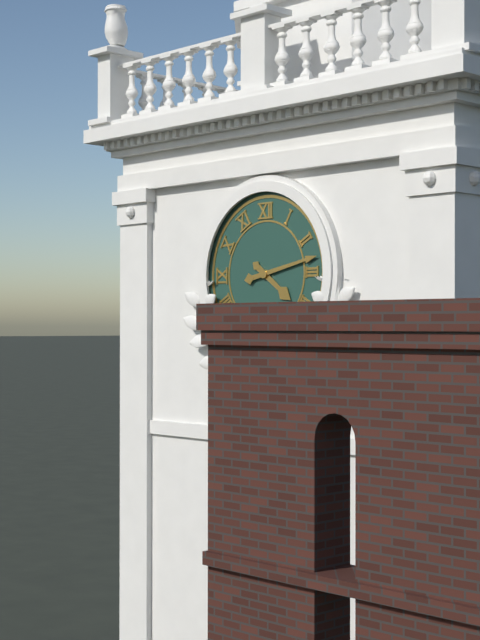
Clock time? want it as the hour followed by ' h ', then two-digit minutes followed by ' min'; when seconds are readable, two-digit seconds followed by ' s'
4 h 13 min
